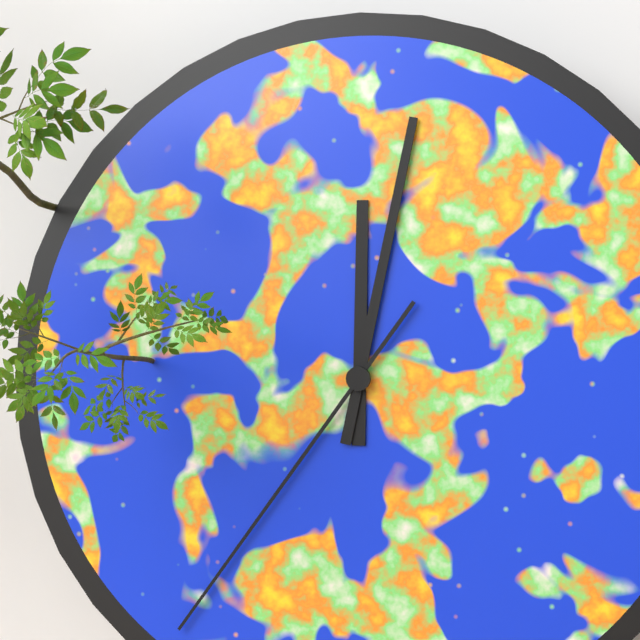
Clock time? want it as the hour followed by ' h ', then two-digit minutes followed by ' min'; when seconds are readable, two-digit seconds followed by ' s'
12 h 02 min 36 s
